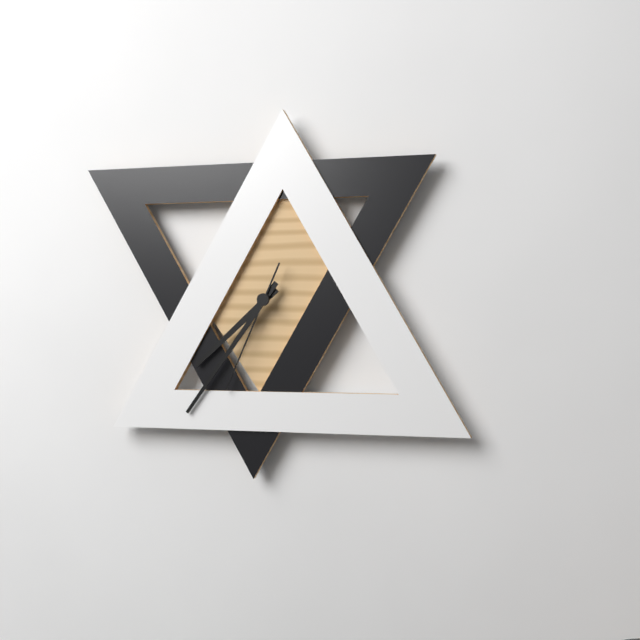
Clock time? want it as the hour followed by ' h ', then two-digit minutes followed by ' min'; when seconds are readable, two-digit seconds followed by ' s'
7 h 36 min 34 s
